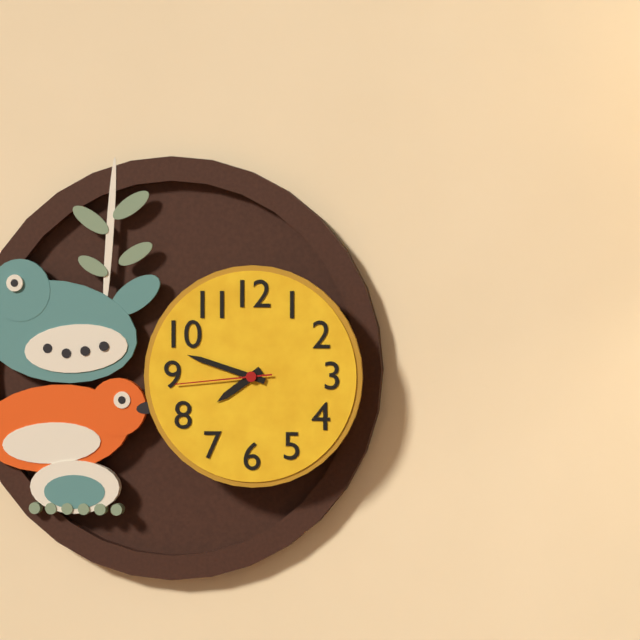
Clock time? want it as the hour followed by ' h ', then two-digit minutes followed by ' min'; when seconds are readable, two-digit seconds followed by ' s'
7 h 48 min 44 s
